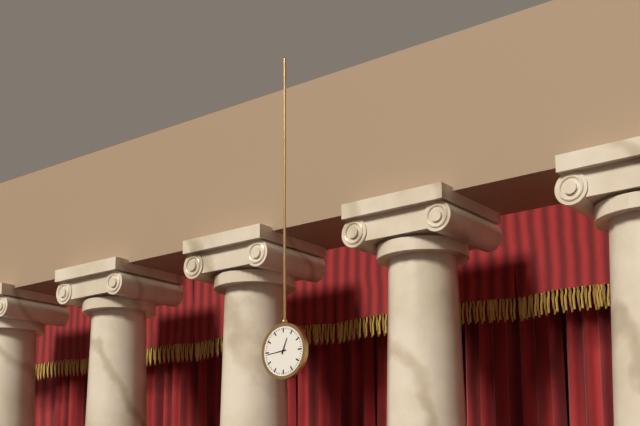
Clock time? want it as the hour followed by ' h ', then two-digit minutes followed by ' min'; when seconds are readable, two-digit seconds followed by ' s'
12 h 44 min
